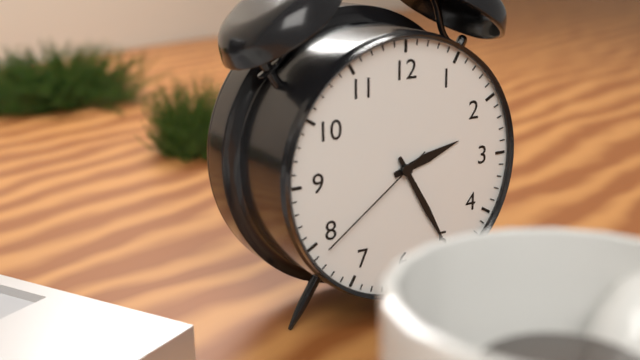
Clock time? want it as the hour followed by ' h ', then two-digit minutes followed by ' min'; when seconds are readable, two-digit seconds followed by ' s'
2 h 25 min 39 s
